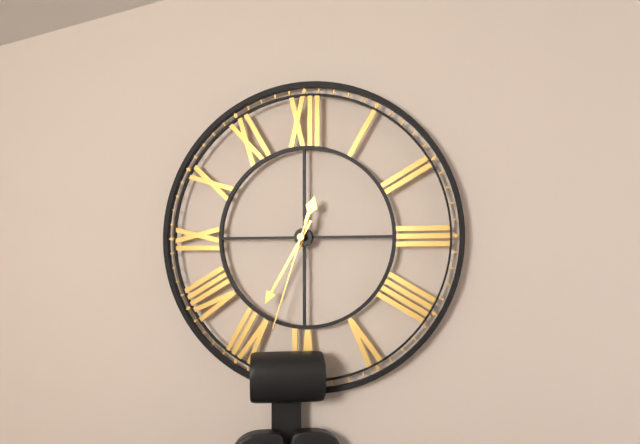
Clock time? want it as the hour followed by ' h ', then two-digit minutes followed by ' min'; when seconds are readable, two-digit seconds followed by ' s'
12 h 35 min 33 s
